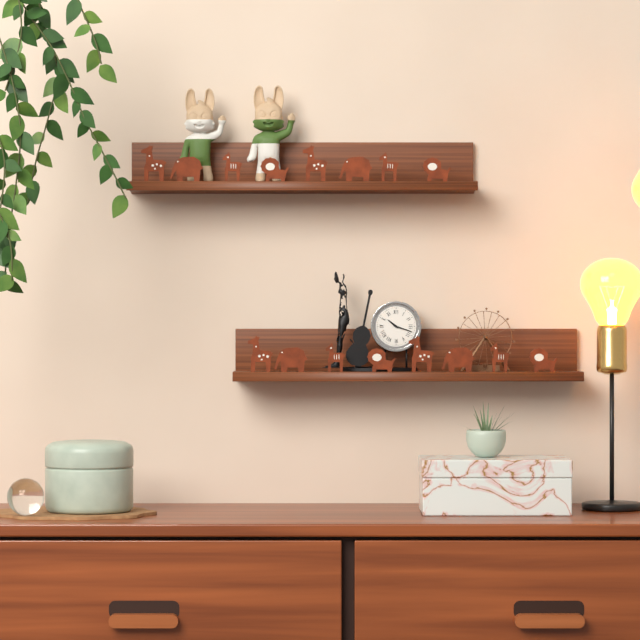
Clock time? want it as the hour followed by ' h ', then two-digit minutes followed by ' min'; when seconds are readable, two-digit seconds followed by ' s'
10 h 18 min
